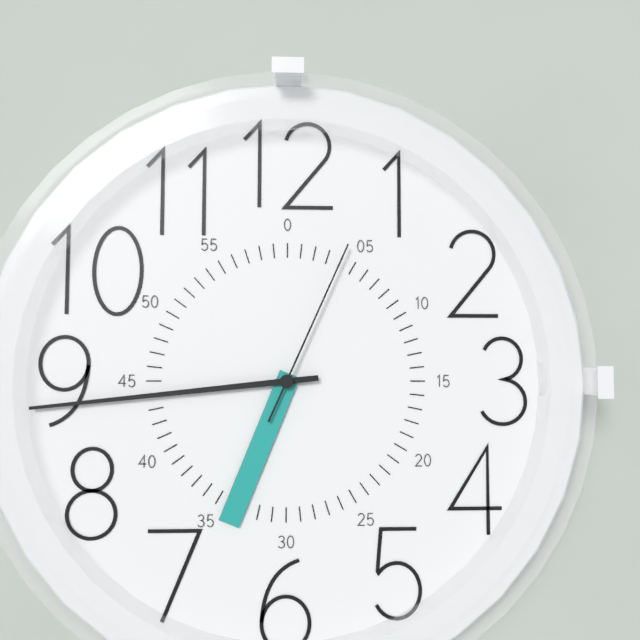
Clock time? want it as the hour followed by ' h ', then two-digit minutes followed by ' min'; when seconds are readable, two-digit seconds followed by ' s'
6 h 44 min 04 s
